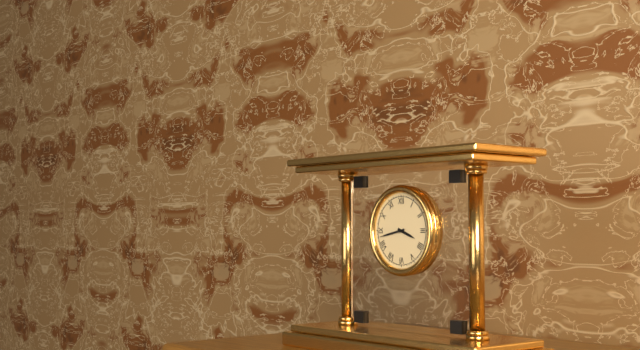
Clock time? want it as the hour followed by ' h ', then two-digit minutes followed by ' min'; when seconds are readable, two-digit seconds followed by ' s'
3 h 43 min
